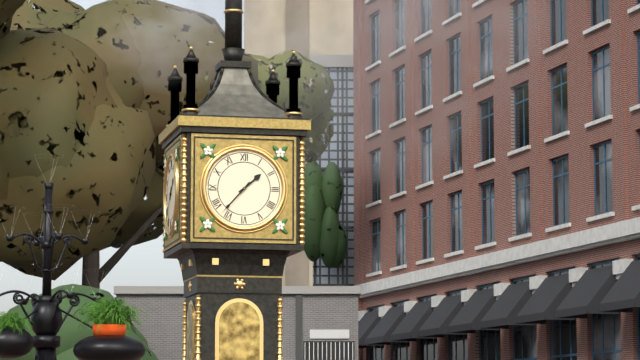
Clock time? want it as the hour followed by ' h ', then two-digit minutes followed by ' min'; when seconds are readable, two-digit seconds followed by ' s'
1 h 37 min
